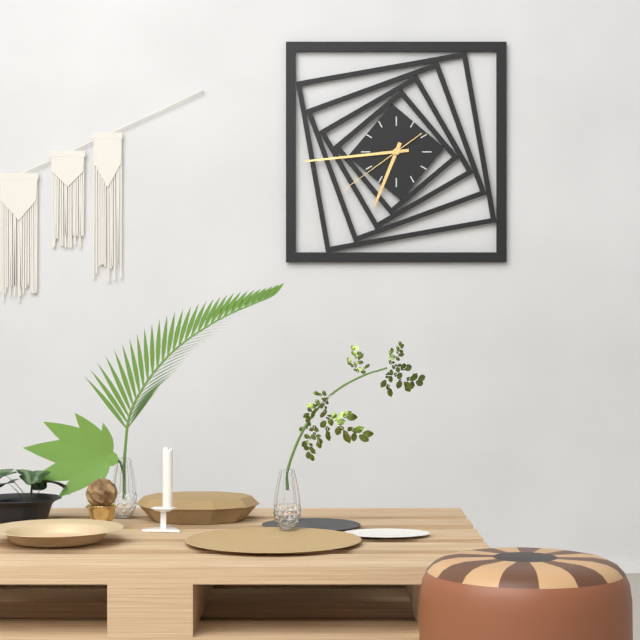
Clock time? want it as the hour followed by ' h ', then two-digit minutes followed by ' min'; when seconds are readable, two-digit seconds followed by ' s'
6 h 44 min 39 s
